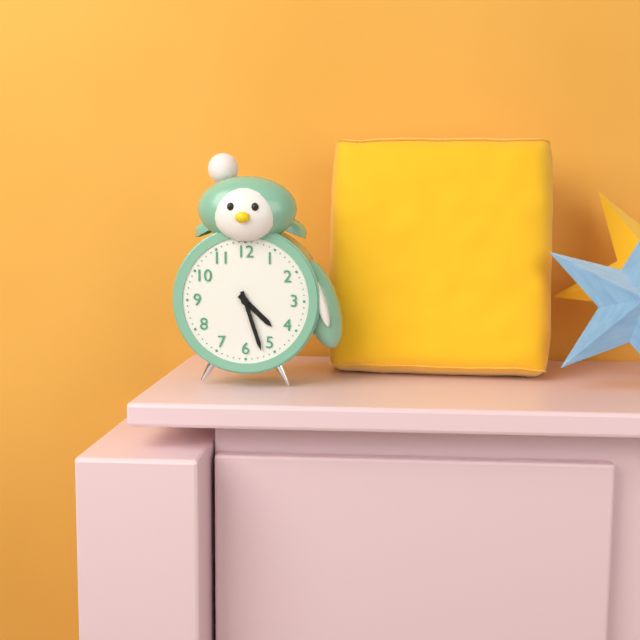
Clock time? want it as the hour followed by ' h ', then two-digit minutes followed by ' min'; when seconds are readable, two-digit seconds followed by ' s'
4 h 27 min
